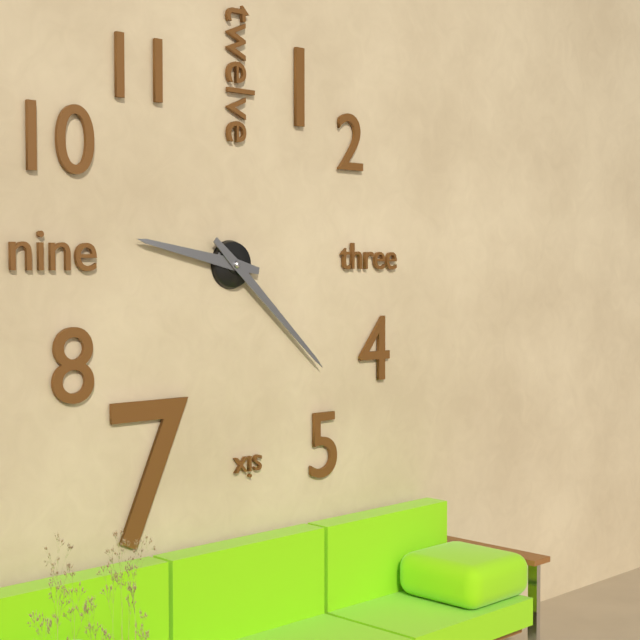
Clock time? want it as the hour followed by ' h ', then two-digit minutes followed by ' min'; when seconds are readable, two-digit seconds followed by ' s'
9 h 22 min
